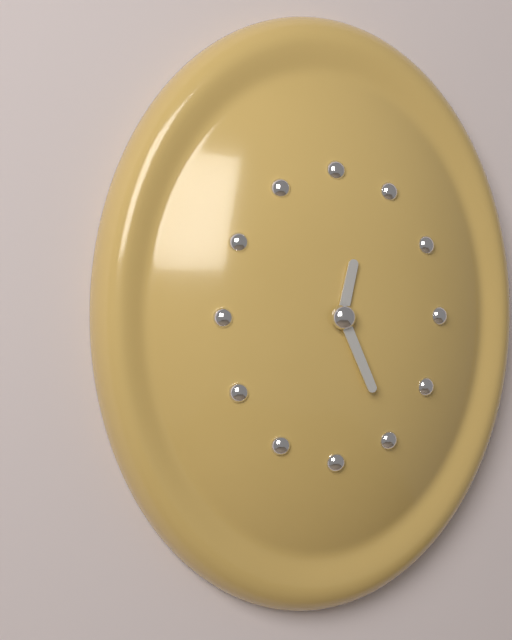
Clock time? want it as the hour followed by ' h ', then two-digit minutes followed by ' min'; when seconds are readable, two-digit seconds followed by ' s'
12 h 26 min
